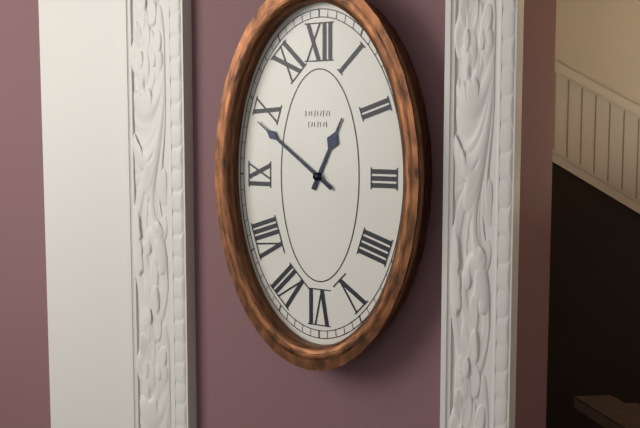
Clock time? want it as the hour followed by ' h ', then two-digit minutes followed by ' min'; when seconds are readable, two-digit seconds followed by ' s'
12 h 51 min
